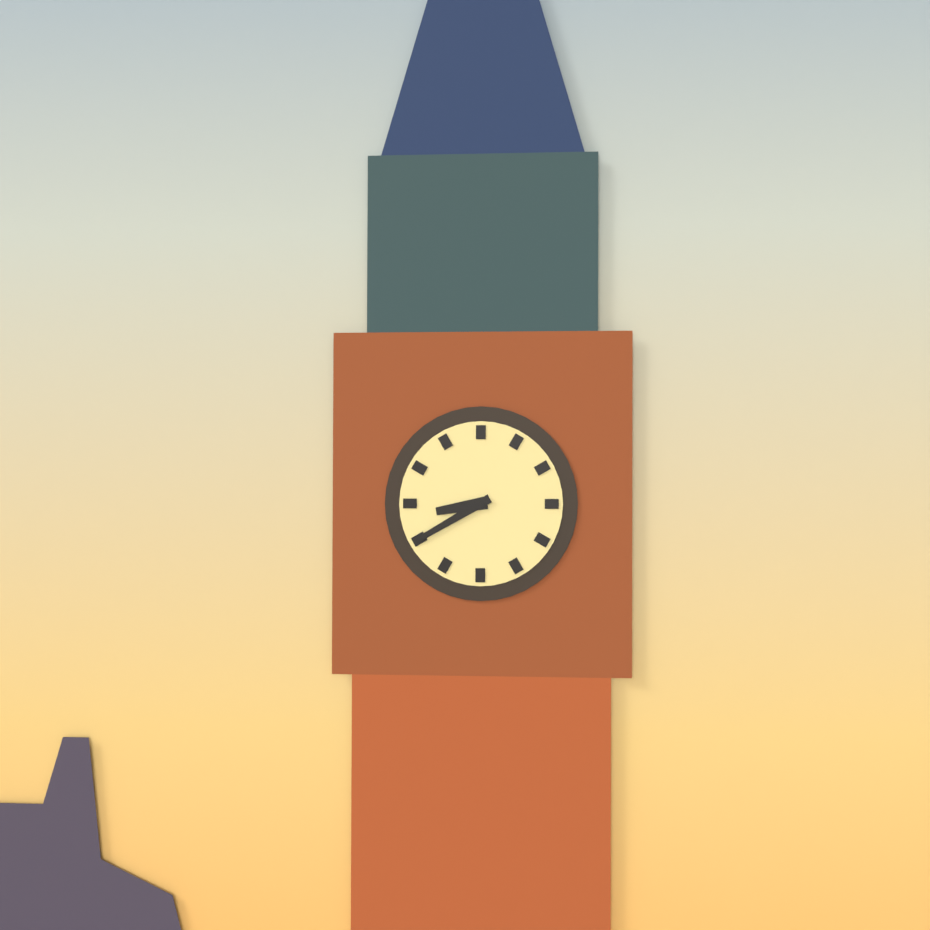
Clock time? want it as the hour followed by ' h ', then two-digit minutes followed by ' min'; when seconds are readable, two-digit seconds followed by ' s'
8 h 40 min
